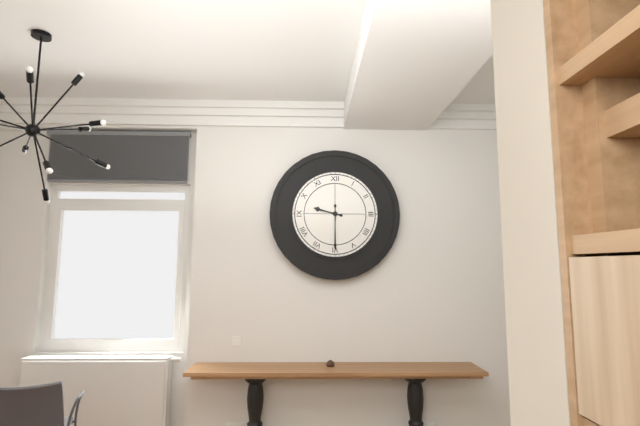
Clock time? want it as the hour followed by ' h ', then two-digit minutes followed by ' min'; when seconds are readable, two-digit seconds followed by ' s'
9 h 30 min
